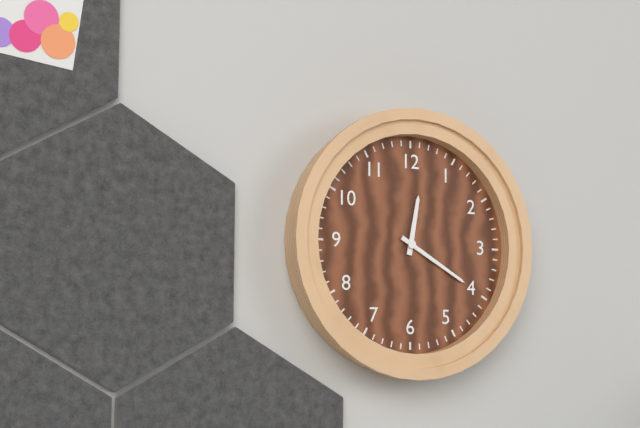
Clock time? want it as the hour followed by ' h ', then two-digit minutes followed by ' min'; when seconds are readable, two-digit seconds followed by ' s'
12 h 20 min
